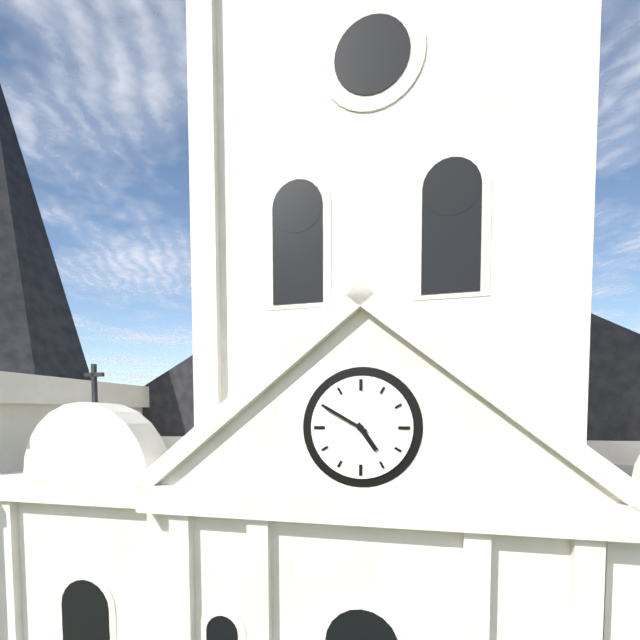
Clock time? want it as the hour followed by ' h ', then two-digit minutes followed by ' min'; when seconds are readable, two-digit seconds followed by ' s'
4 h 50 min
